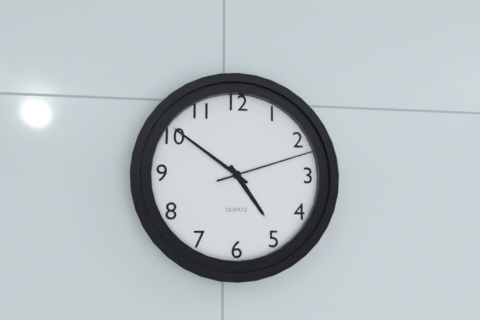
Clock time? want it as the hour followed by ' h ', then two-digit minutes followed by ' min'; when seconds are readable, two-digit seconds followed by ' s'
4 h 51 min 12 s
